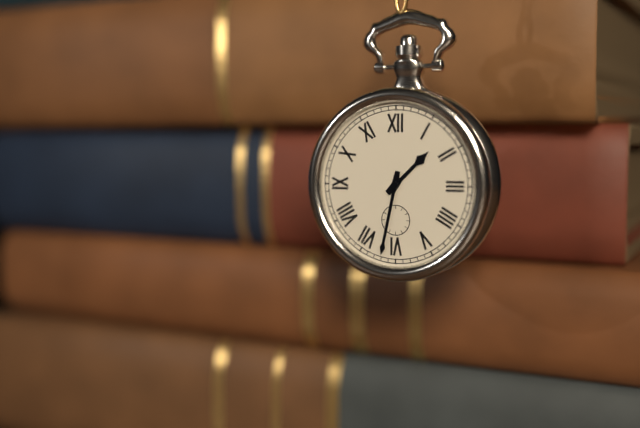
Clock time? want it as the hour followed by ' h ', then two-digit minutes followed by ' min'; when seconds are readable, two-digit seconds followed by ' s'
1 h 32 min
